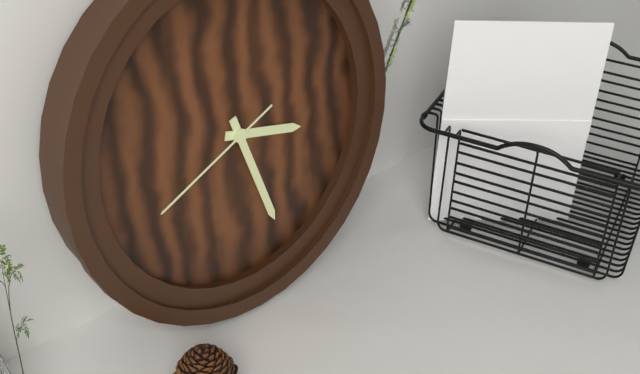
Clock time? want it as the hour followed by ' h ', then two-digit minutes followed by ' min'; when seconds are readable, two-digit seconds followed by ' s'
3 h 27 min 41 s
